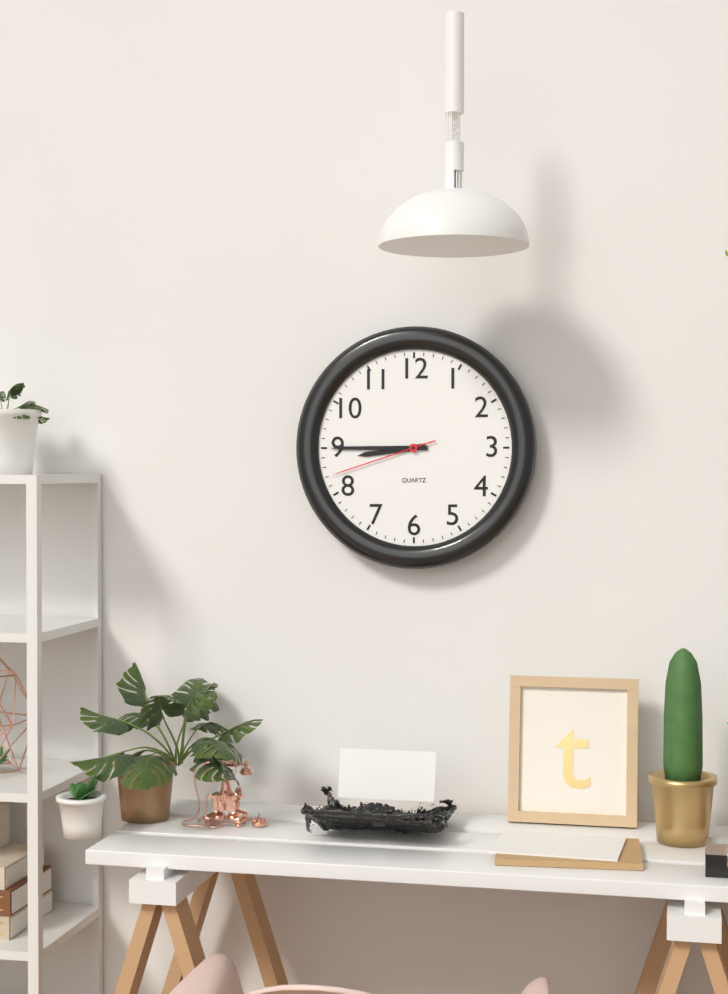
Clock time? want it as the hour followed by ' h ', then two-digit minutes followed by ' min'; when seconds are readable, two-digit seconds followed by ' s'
8 h 45 min 42 s
